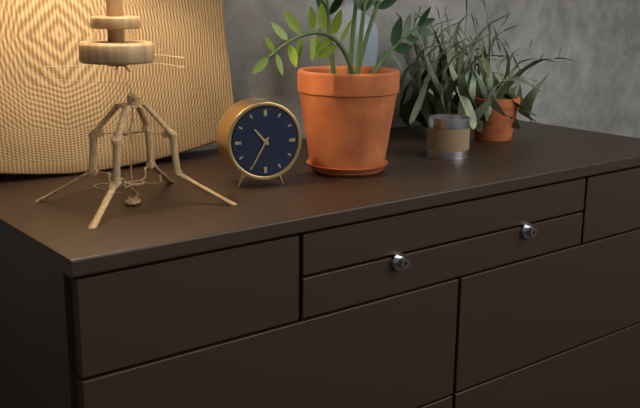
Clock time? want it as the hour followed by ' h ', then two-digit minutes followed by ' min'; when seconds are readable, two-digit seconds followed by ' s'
10 h 35 min
